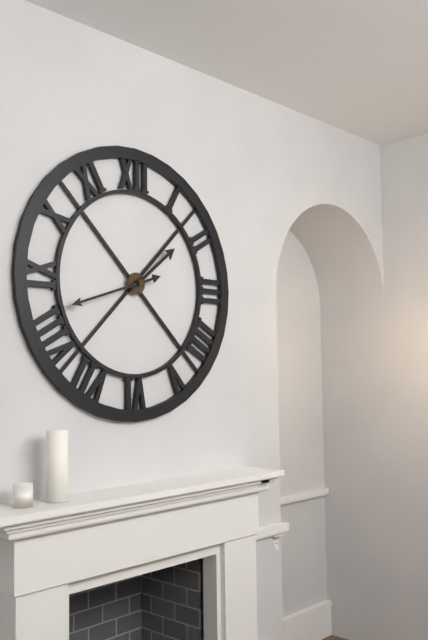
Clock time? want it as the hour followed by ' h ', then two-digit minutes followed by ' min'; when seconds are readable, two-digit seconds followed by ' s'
1 h 42 min
